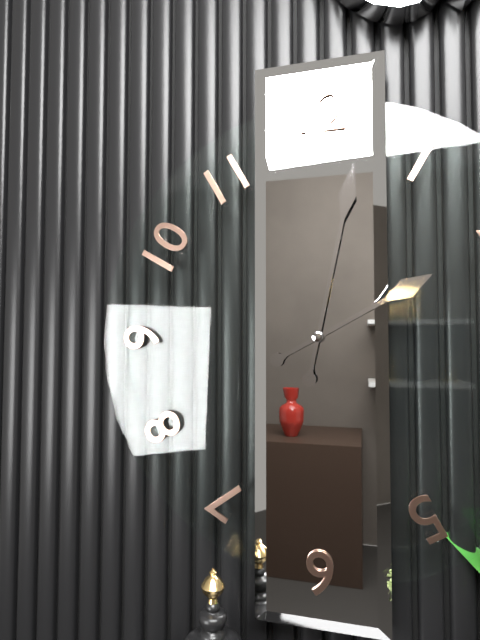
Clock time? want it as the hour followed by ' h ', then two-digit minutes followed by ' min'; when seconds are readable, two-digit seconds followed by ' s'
2 h 02 min
